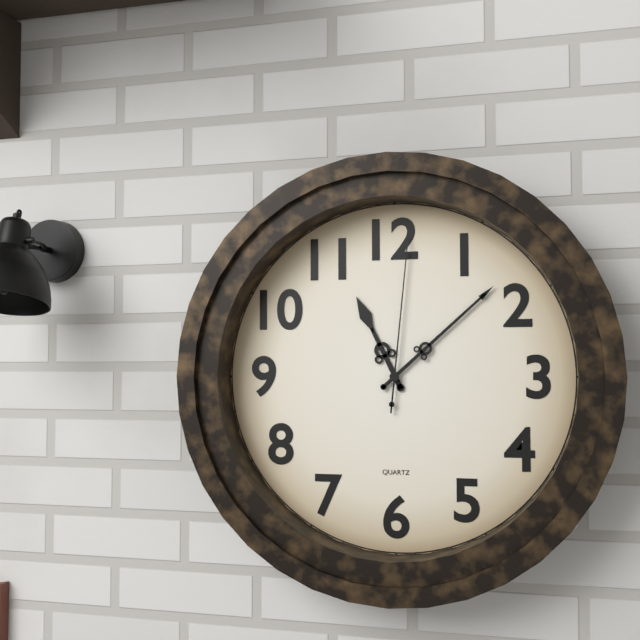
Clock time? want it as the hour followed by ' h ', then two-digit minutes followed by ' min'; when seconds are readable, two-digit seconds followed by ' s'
11 h 08 min 01 s
